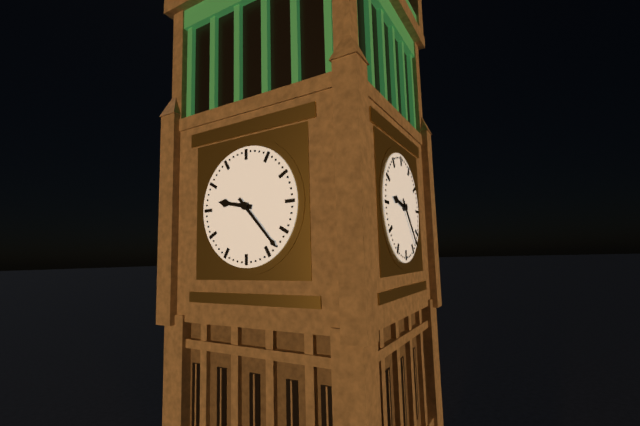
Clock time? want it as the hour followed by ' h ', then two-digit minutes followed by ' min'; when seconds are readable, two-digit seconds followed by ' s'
9 h 23 min
